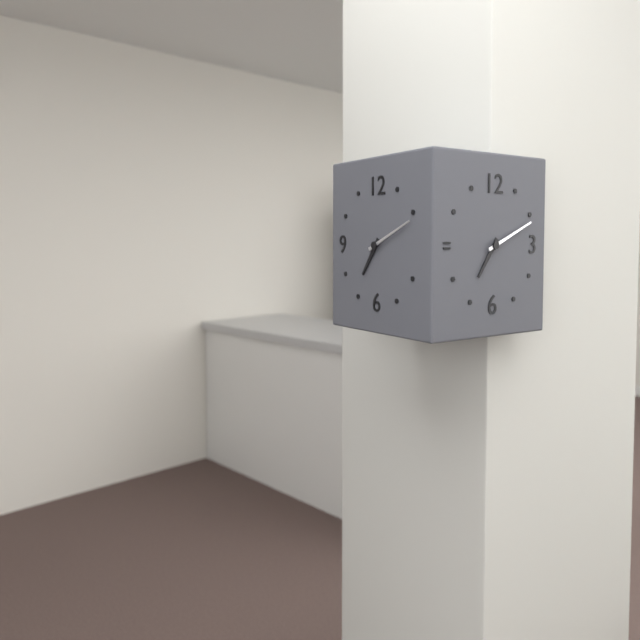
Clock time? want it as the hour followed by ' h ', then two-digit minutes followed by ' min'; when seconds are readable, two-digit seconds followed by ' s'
7 h 11 min
